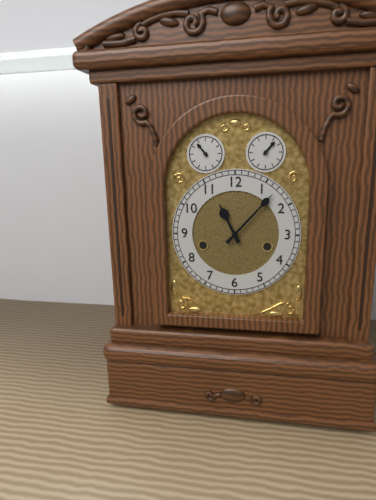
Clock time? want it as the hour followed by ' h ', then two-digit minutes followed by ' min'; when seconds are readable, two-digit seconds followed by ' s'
11 h 07 min
